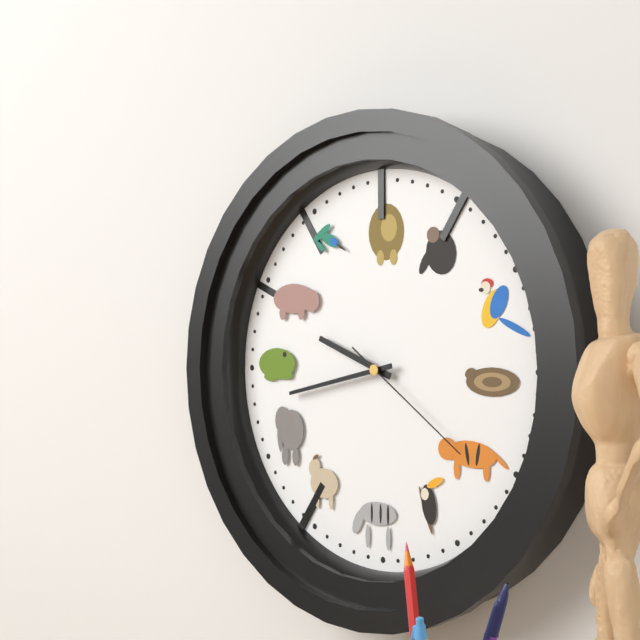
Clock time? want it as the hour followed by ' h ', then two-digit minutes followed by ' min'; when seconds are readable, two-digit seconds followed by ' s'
9 h 43 min 21 s
